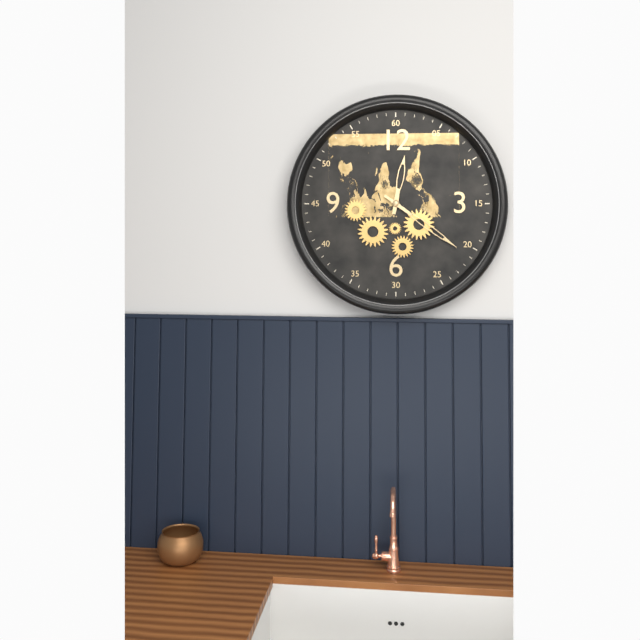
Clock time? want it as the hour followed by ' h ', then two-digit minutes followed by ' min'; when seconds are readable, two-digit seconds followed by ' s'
12 h 21 min
